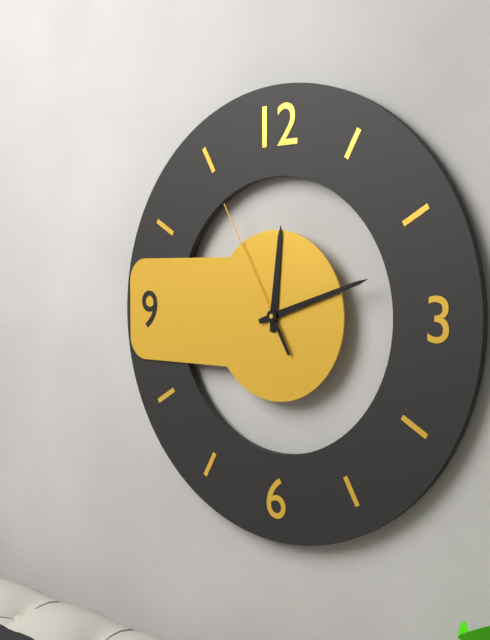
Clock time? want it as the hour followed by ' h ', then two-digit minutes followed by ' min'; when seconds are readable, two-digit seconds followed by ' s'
12 h 12 min 55 s
